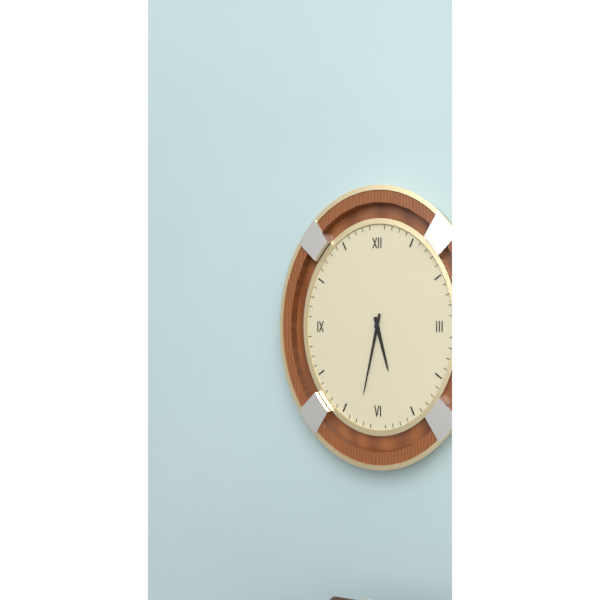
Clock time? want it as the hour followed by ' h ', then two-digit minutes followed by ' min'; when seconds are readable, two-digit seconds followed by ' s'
5 h 32 min
